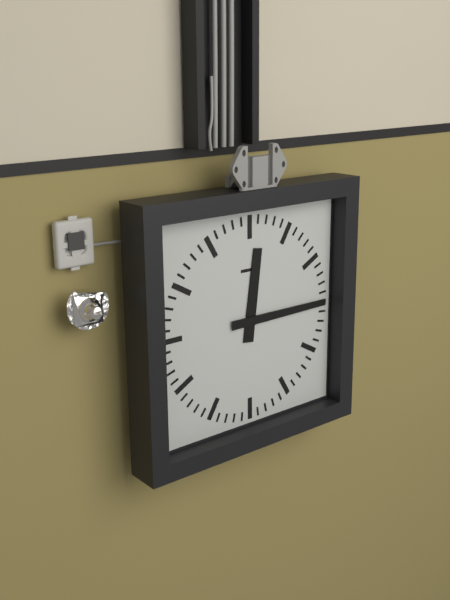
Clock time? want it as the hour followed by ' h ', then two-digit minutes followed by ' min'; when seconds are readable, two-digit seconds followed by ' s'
12 h 15 min
